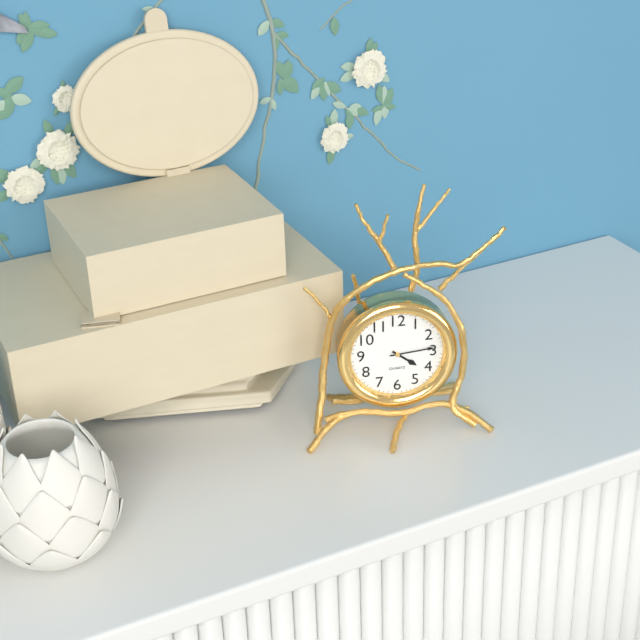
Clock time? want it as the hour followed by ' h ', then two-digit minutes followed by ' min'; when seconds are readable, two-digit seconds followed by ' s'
4 h 14 min
